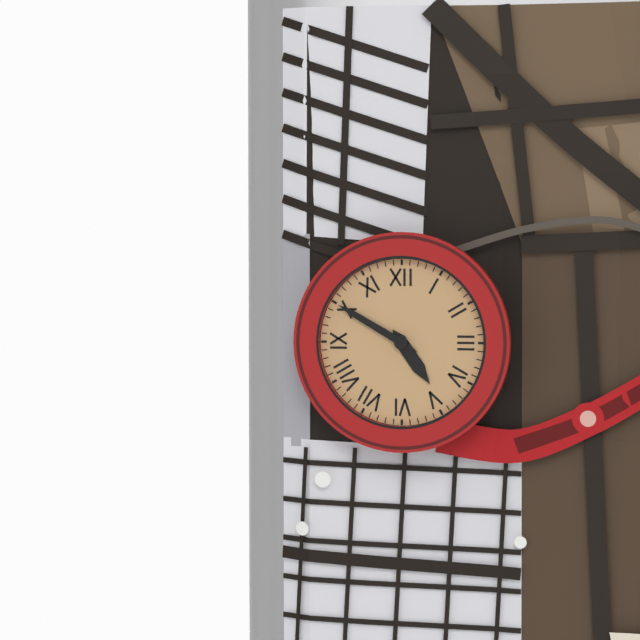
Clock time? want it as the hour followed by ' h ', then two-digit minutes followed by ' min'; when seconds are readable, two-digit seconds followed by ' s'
4 h 50 min
